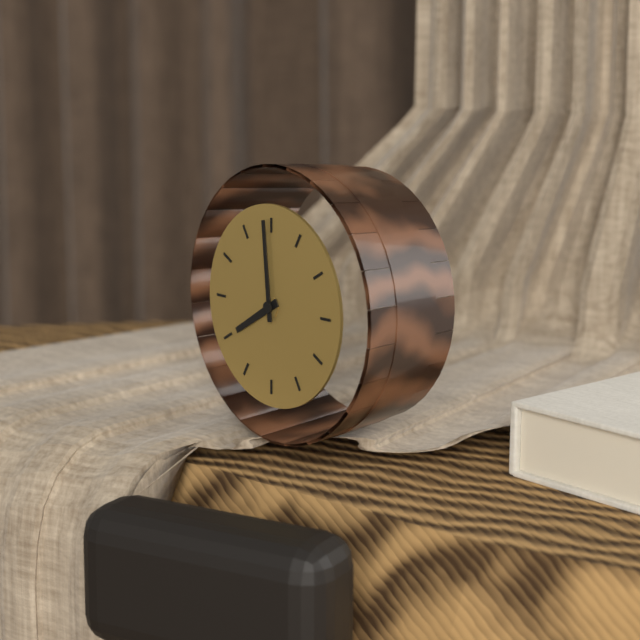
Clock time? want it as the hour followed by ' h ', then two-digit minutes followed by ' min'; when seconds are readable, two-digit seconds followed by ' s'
7 h 59 min
